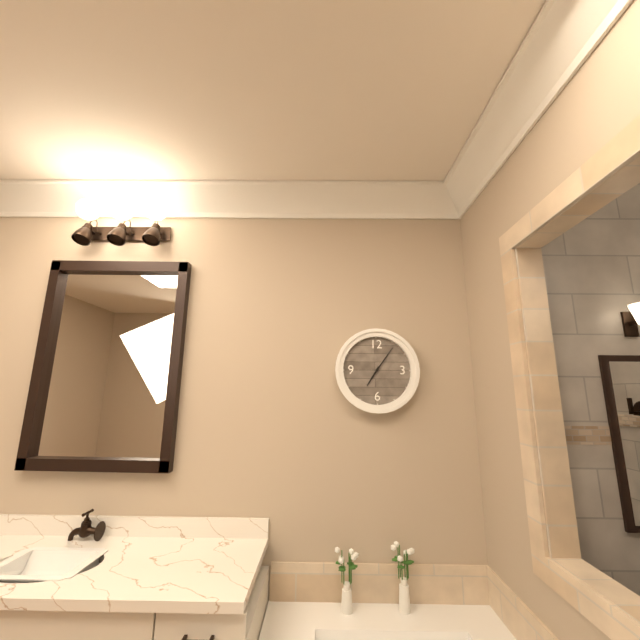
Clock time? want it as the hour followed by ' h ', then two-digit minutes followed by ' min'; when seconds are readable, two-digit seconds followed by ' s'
7 h 06 min
